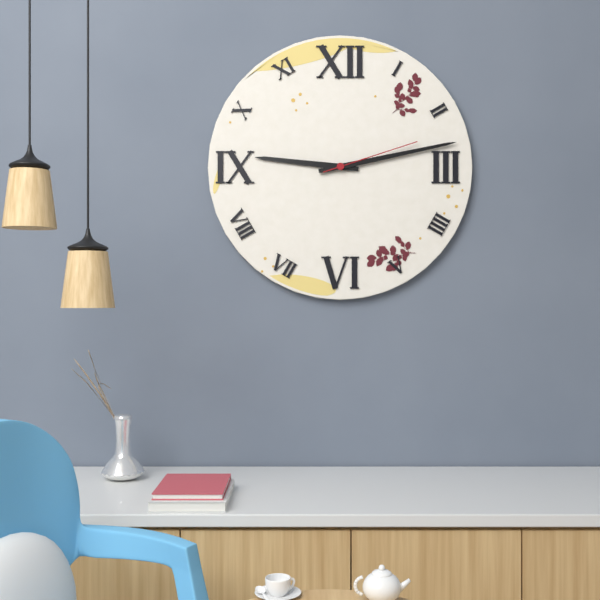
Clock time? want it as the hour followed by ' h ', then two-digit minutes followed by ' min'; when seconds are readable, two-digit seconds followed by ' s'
9 h 13 min 12 s
